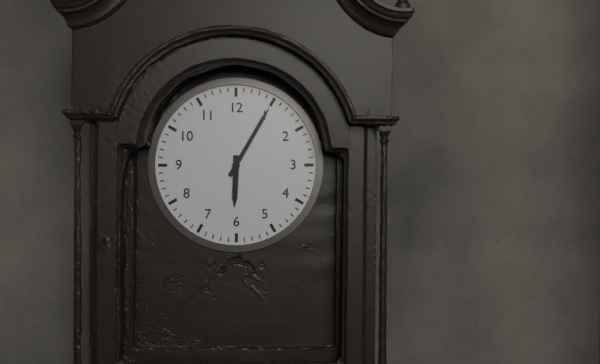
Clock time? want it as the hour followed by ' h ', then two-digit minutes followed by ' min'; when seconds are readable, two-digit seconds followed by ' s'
6 h 05 min
